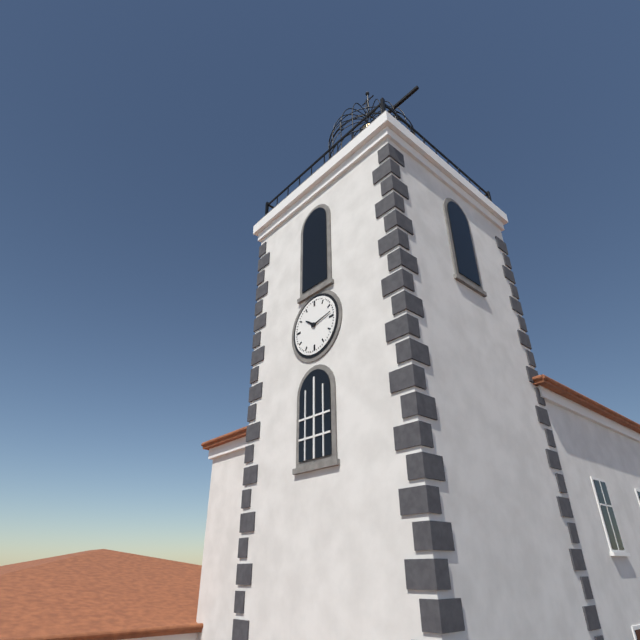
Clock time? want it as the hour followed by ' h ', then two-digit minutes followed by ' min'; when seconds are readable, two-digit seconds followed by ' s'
10 h 13 min
